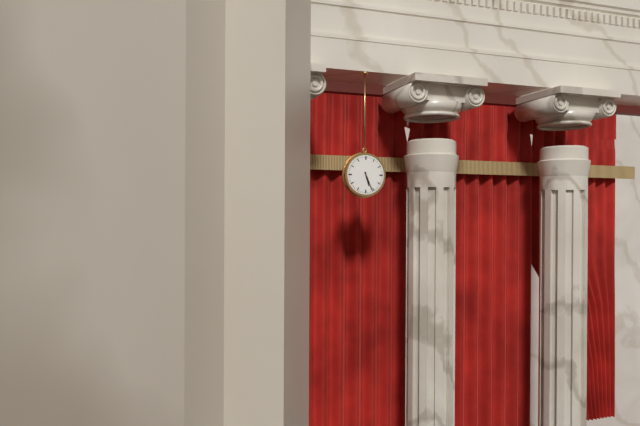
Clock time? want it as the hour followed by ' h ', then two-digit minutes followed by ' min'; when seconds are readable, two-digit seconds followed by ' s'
5 h 26 min
